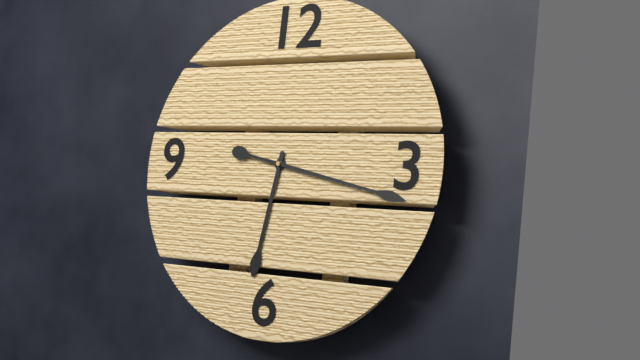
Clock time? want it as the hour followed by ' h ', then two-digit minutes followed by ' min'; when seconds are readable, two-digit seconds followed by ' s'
6 h 17 min
